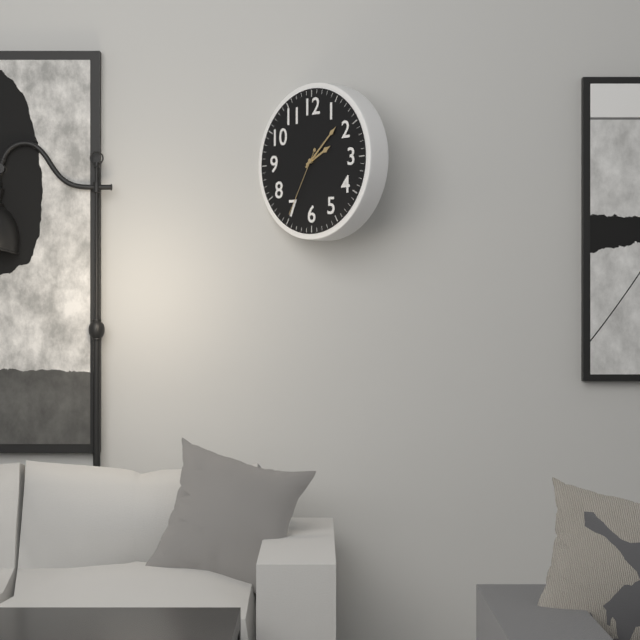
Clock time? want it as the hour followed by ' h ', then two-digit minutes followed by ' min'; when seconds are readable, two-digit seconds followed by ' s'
2 h 08 min 35 s
